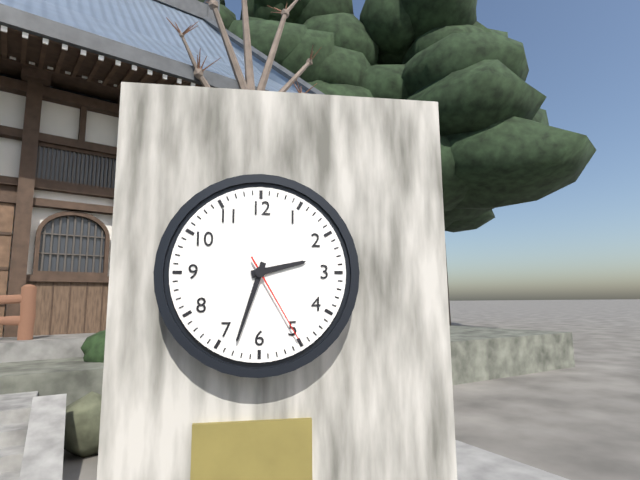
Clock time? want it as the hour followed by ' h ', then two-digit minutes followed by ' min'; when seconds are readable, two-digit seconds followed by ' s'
2 h 33 min 25 s
